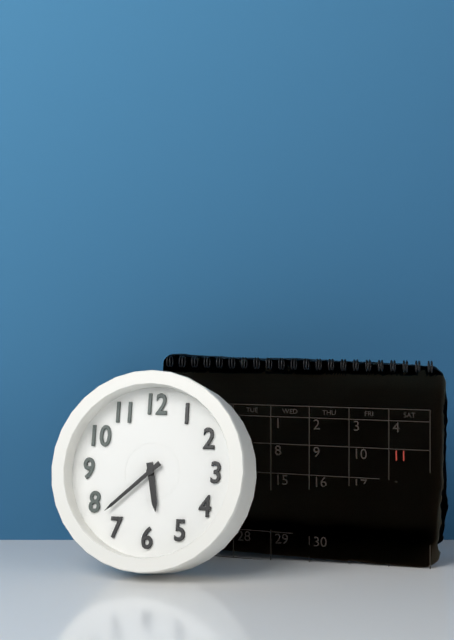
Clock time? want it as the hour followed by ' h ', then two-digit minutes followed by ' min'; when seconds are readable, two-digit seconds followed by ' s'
5 h 38 min
